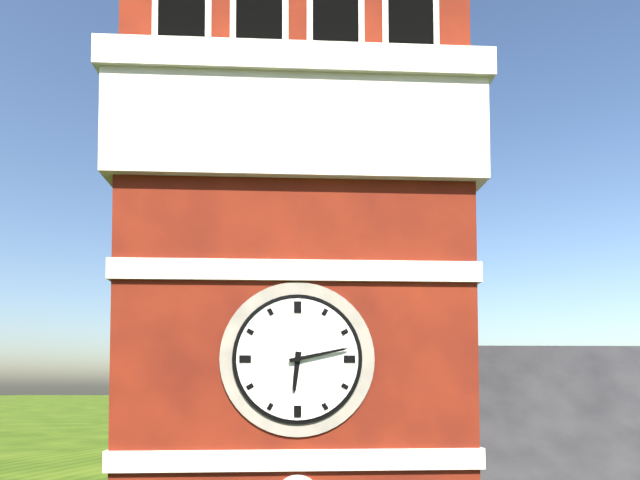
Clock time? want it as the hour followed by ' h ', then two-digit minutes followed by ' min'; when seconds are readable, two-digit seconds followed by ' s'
6 h 13 min
